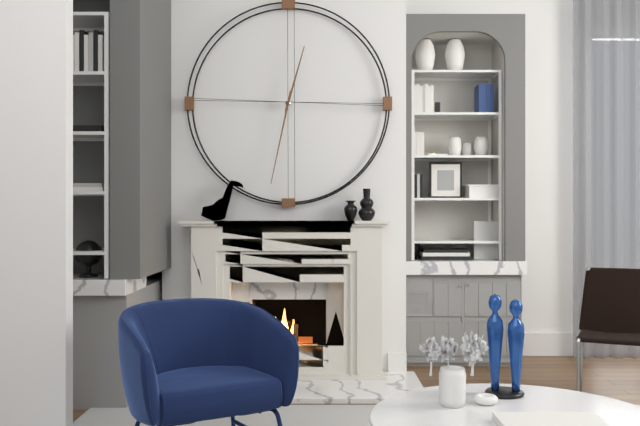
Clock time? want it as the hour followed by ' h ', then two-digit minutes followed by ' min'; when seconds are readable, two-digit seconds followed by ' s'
12 h 32 min
